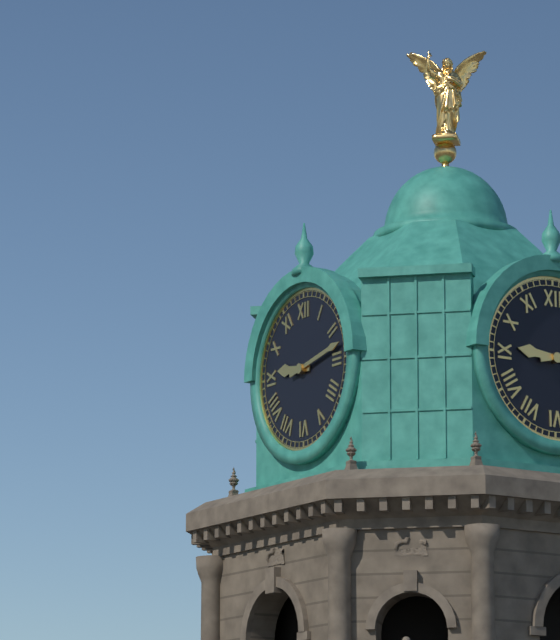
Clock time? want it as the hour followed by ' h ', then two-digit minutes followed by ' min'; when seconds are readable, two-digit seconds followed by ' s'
9 h 13 min
